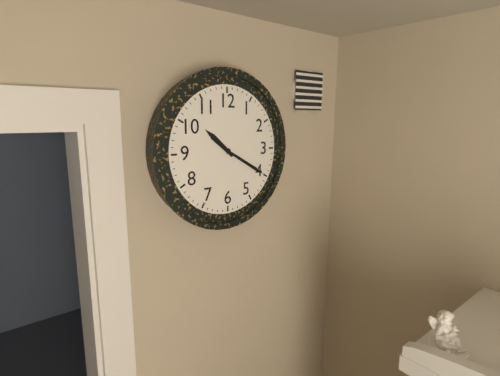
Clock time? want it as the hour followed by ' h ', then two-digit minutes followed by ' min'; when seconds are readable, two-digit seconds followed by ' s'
10 h 20 min
